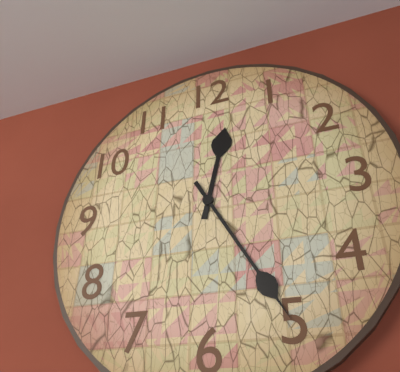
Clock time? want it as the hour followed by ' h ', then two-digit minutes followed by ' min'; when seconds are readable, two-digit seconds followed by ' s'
12 h 25 min
